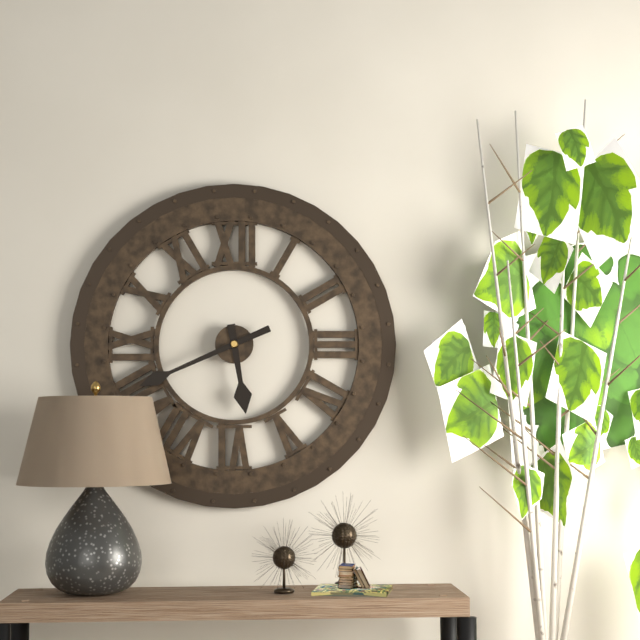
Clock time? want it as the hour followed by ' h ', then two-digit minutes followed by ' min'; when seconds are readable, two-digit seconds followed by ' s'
5 h 41 min
